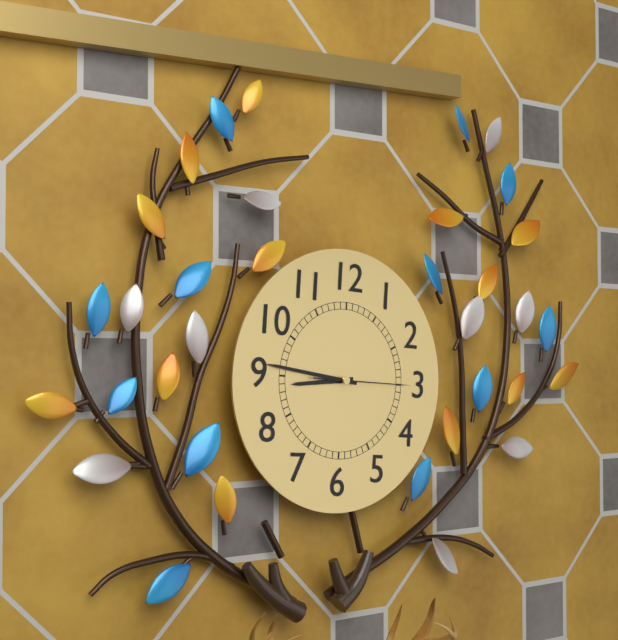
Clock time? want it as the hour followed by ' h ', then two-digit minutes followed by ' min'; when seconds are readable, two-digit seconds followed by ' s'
8 h 46 min 15 s
